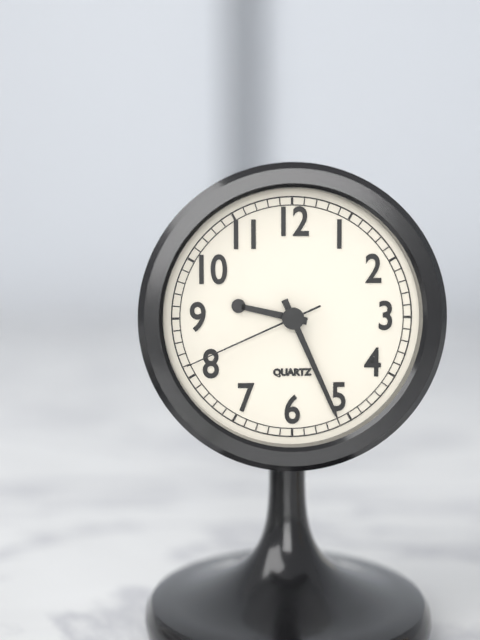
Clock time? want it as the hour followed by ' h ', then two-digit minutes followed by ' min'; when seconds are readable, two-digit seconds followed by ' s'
9 h 26 min 41 s
